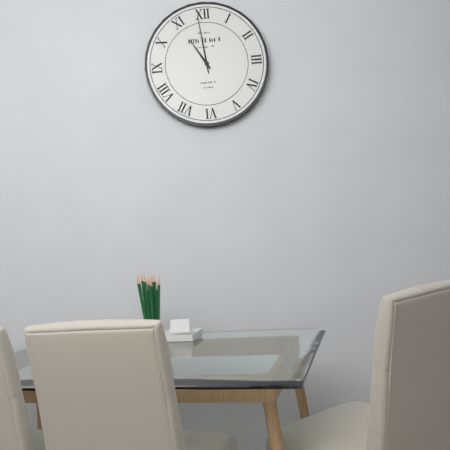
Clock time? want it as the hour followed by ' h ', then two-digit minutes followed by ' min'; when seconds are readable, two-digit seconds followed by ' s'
10 h 59 min
